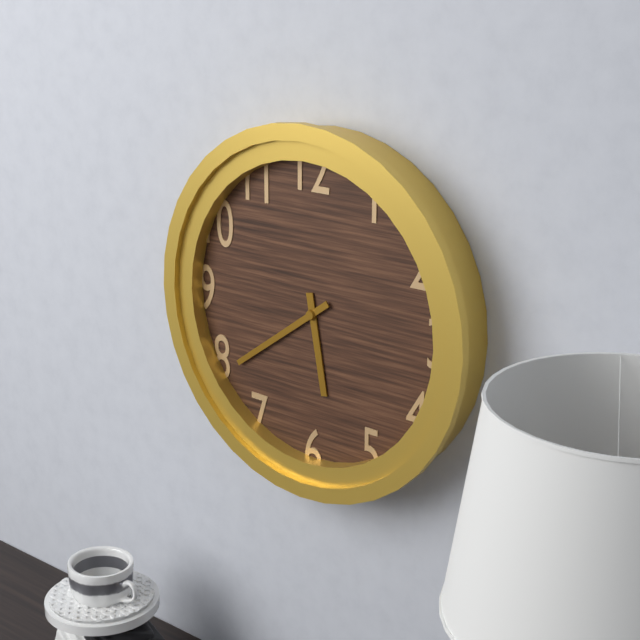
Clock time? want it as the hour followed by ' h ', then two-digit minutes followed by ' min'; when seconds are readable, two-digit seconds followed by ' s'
5 h 39 min
